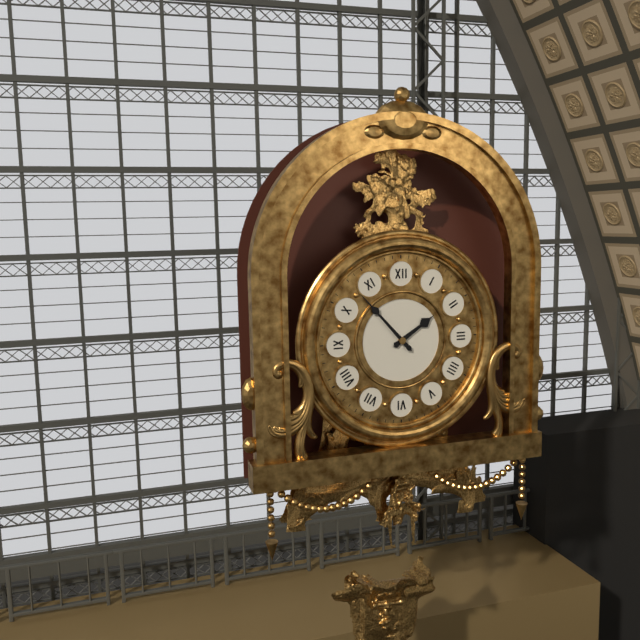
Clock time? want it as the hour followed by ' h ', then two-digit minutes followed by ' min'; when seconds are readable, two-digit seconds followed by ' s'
1 h 53 min
